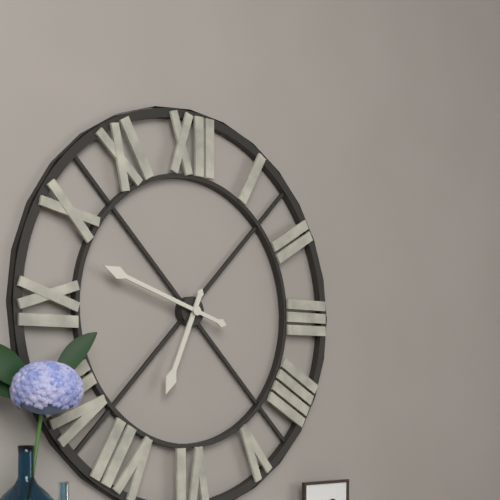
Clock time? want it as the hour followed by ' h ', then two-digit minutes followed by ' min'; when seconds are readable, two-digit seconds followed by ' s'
6 h 48 min
